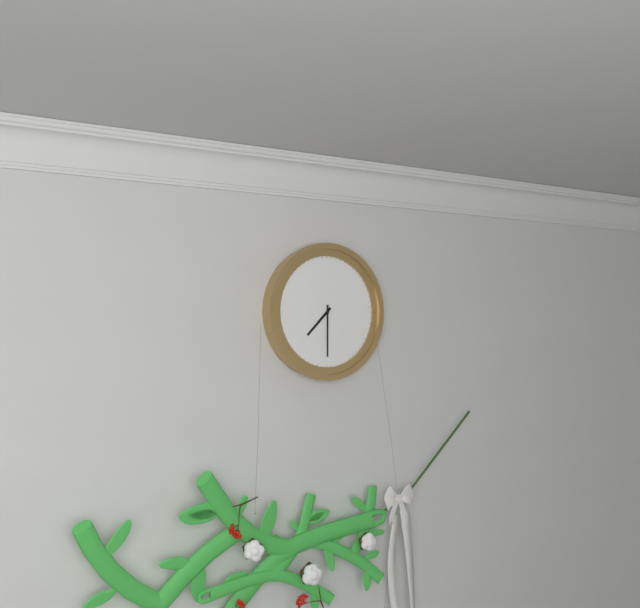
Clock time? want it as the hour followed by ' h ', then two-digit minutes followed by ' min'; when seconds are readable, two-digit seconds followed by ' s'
7 h 30 min
